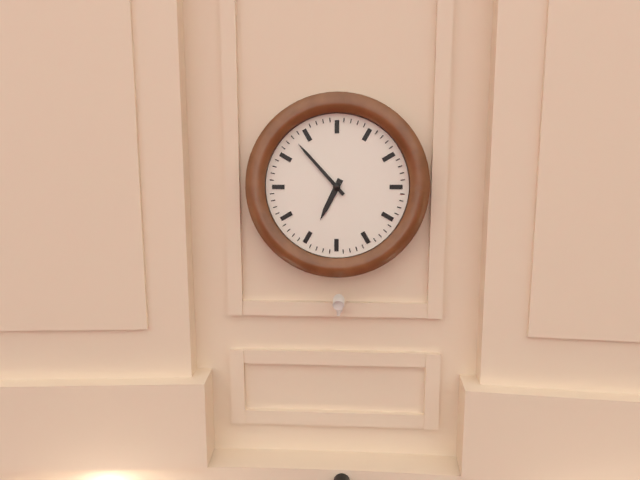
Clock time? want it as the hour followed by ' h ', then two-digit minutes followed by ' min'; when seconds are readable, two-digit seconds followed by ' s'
6 h 53 min
